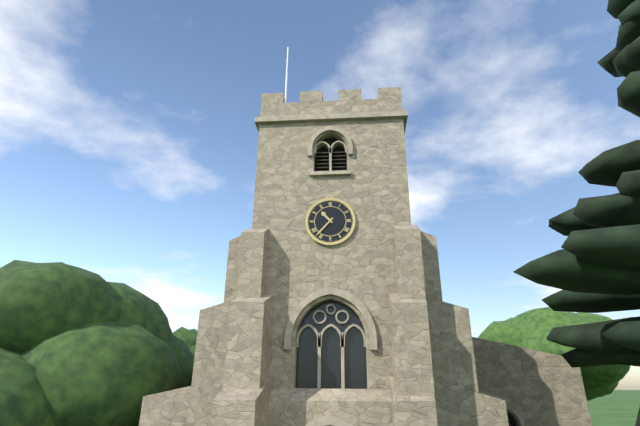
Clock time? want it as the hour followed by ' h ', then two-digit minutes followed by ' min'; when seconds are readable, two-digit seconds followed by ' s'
10 h 37 min
